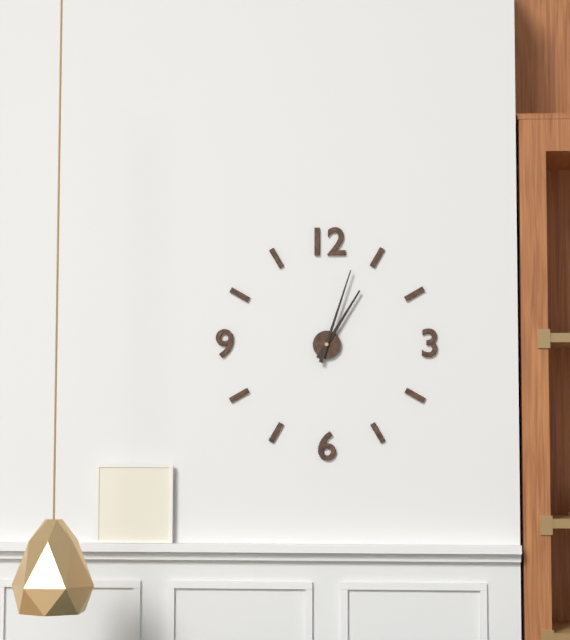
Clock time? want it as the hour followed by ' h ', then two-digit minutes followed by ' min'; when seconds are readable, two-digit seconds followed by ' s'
1 h 03 min
